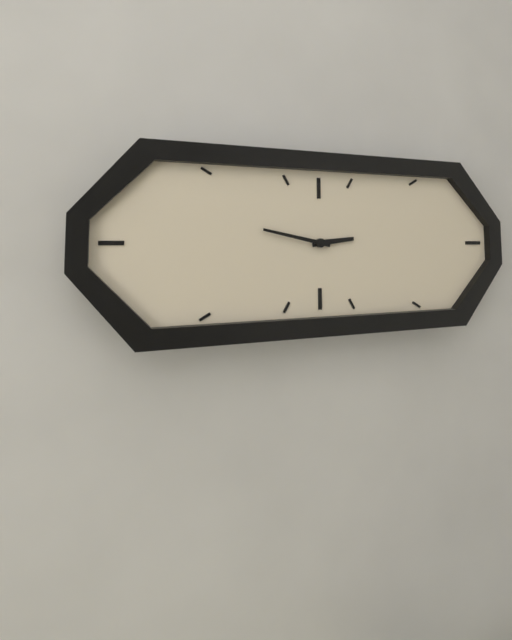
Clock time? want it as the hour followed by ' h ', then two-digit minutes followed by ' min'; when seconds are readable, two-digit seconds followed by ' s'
2 h 47 min
